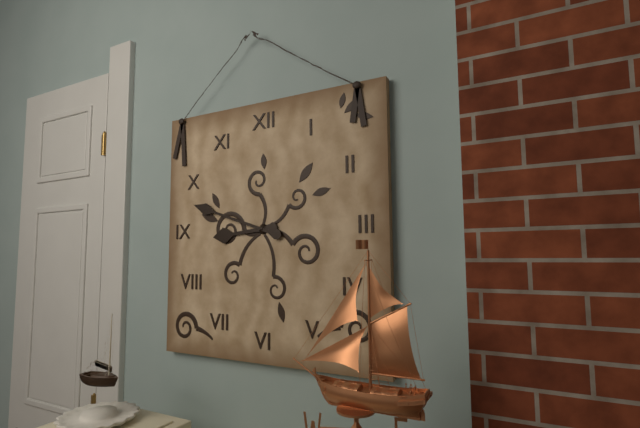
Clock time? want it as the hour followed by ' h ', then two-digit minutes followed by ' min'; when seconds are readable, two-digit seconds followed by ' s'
8 h 48 min
